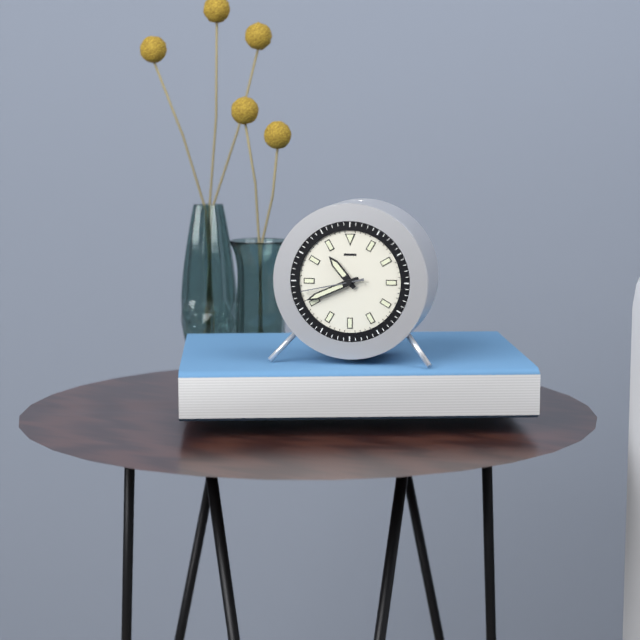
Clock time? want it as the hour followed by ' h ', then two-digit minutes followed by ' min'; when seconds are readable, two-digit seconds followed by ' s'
10 h 41 min 43 s
